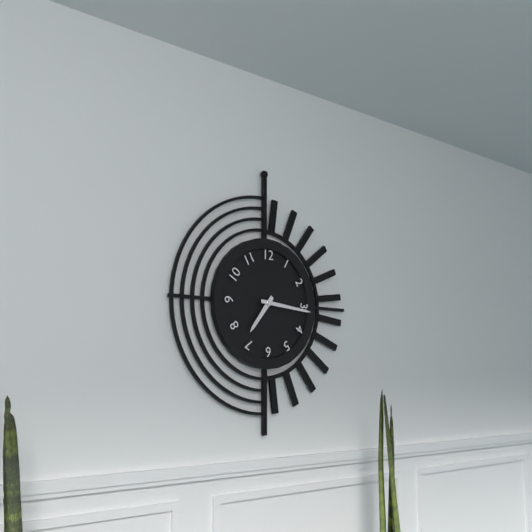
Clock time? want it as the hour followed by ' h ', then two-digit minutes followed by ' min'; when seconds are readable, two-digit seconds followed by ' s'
7 h 16 min
